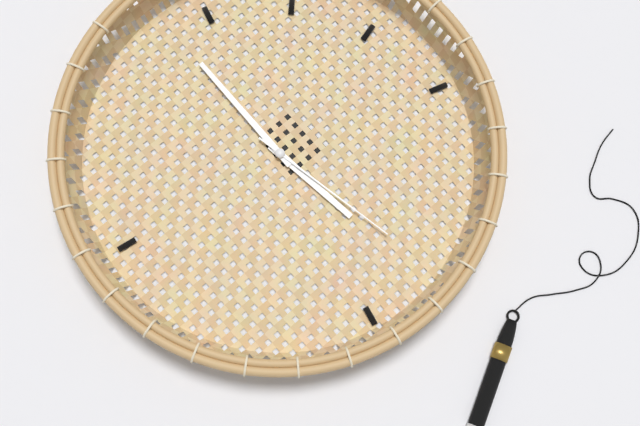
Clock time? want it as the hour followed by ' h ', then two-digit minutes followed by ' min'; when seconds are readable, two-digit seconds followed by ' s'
2 h 45 min 13 s
